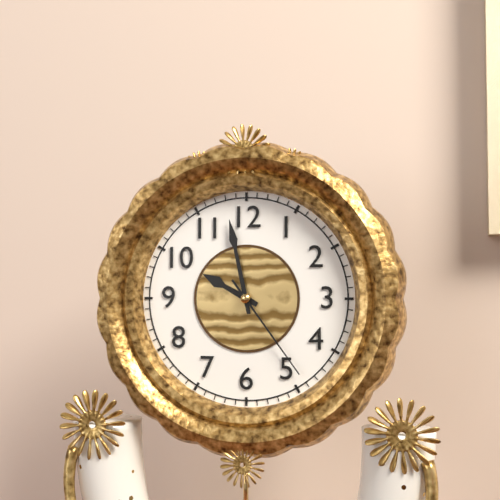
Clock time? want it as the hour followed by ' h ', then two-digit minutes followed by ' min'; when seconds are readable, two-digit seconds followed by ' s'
9 h 58 min 24 s
